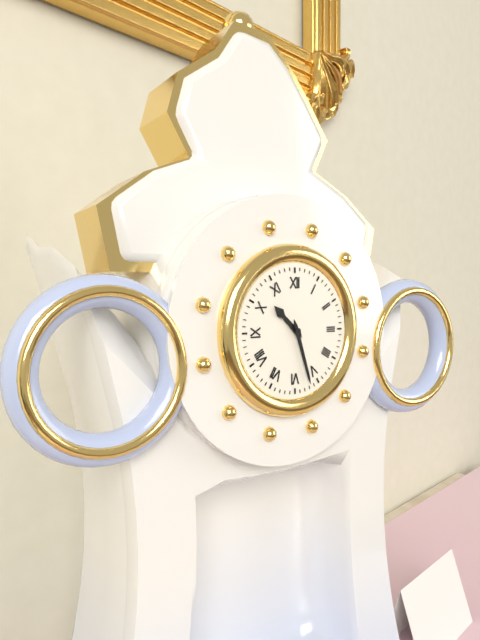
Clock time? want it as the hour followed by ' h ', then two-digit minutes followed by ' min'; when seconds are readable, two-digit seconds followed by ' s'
10 h 27 min
